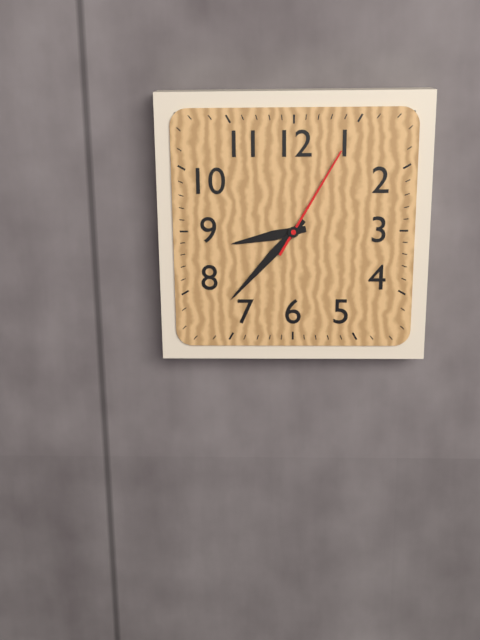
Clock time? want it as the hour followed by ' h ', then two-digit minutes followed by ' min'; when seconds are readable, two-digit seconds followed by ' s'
8 h 37 min 05 s
